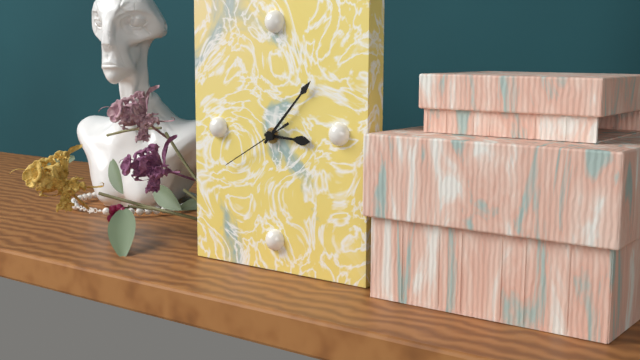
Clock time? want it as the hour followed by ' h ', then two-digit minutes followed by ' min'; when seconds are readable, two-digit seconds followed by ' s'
3 h 07 min 40 s
